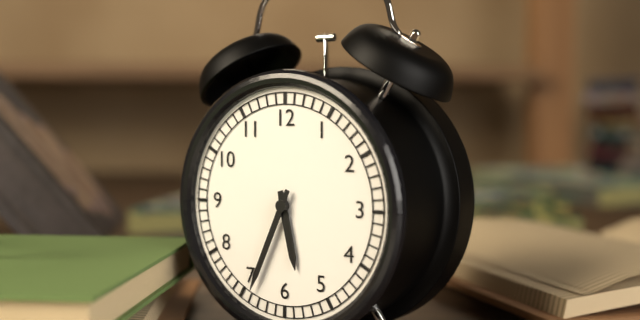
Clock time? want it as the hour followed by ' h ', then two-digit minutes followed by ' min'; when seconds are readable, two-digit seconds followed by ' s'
5 h 34 min
